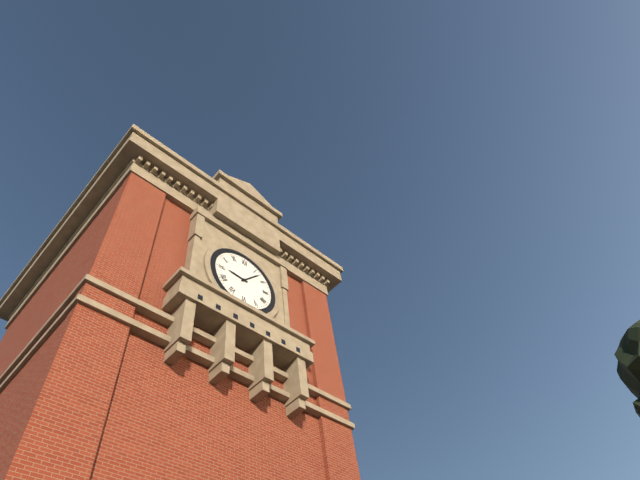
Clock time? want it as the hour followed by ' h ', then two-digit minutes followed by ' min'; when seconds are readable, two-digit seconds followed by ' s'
9 h 07 min
